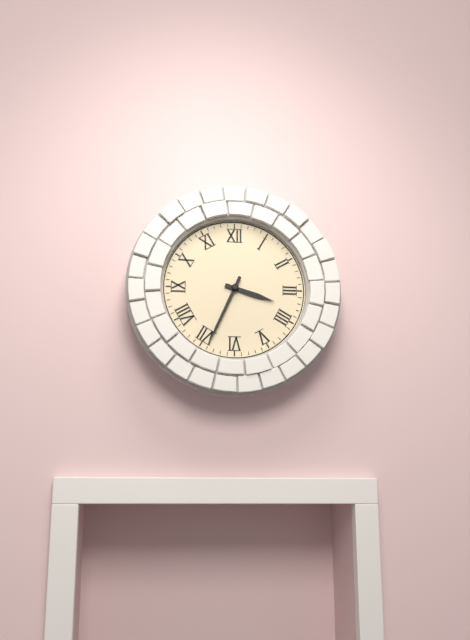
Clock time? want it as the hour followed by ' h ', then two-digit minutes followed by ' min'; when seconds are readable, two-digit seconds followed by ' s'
3 h 34 min
